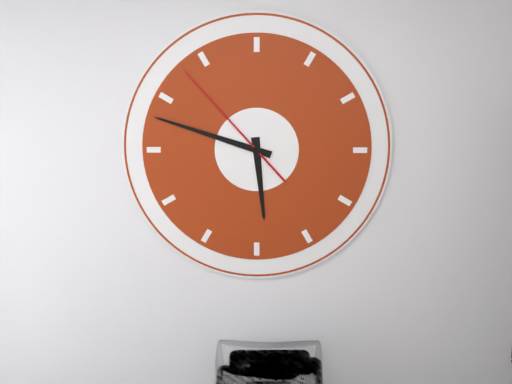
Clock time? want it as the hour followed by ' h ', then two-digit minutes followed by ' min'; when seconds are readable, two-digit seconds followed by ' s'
5 h 48 min 53 s
